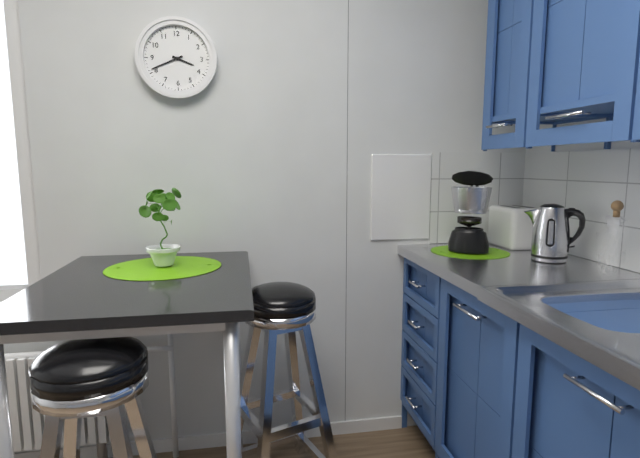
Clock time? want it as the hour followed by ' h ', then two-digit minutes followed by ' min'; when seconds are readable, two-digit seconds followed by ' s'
3 h 41 min
